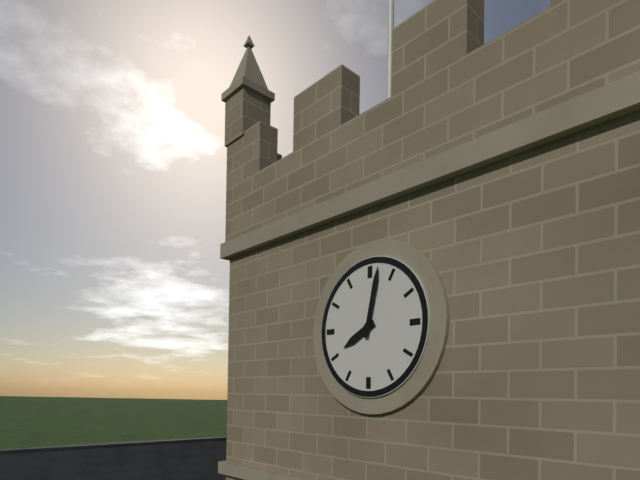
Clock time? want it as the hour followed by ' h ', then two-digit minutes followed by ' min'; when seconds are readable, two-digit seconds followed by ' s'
8 h 02 min
